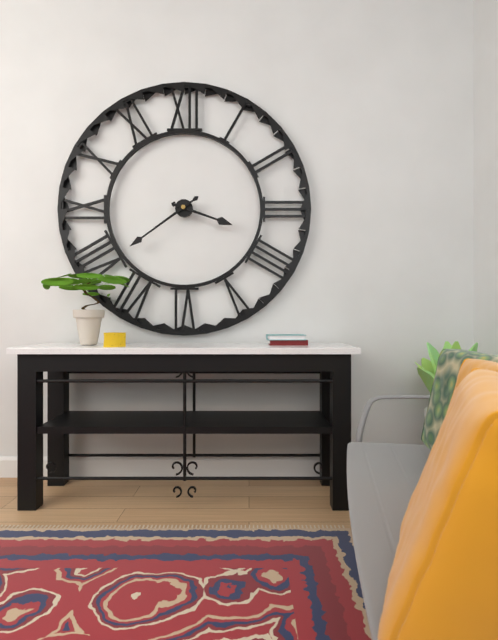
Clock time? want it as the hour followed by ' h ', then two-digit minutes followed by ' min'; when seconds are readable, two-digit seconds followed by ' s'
3 h 39 min
